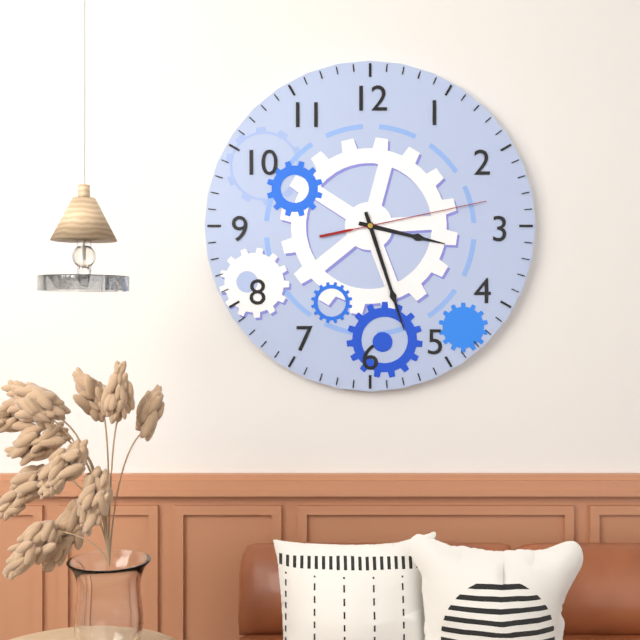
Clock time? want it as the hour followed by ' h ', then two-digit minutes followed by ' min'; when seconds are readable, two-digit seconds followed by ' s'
3 h 27 min 13 s
